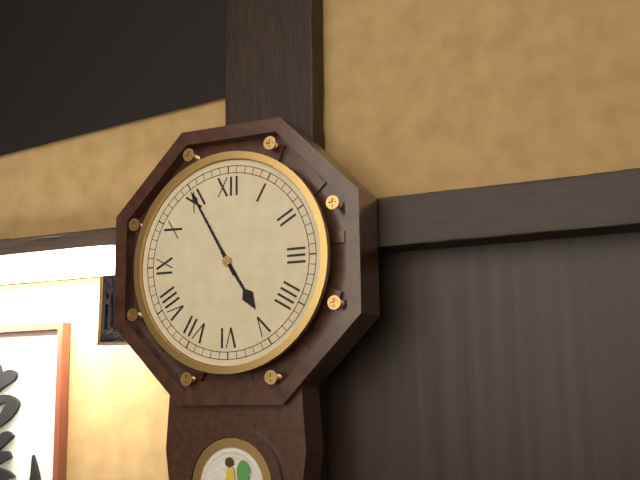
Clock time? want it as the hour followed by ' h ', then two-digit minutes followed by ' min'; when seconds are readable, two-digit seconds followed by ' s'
4 h 55 min
